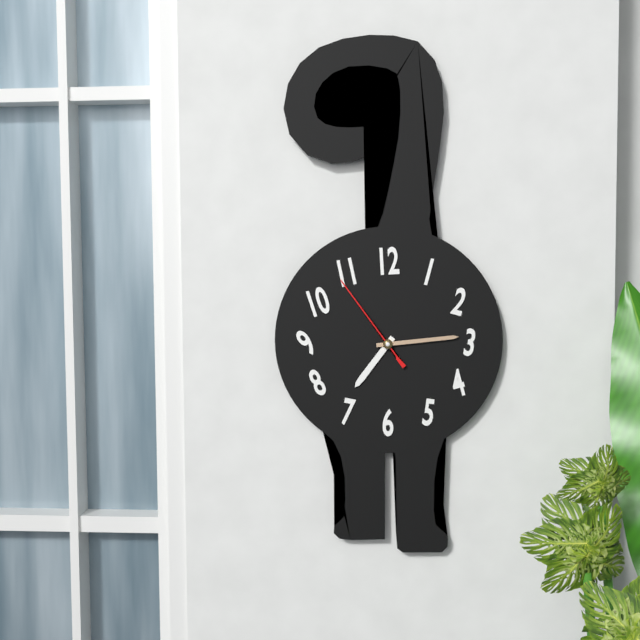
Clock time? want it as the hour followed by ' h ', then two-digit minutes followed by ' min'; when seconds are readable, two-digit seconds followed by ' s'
7 h 14 min 54 s
